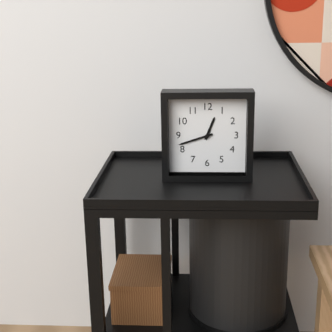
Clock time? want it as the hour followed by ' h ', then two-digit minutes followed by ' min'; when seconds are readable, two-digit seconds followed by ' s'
12 h 42 min
